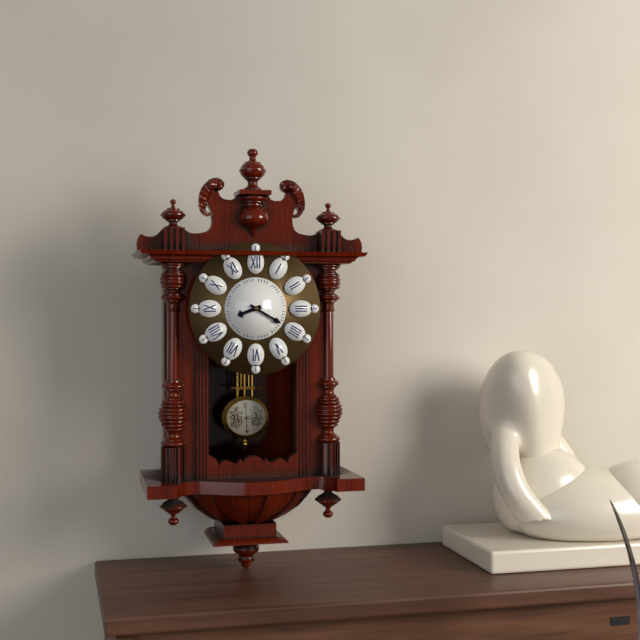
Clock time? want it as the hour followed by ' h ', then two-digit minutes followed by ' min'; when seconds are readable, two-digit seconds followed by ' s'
8 h 20 min
